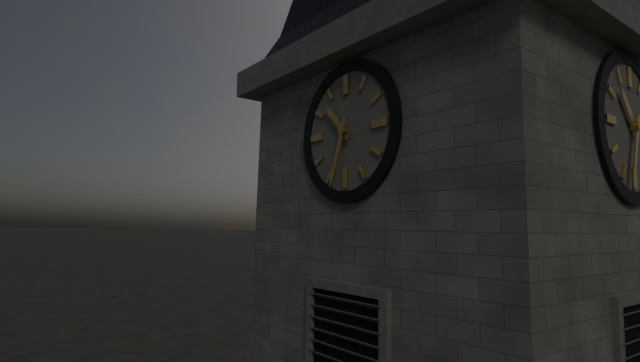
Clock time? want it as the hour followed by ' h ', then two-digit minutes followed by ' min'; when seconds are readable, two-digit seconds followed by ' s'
10 h 33 min
